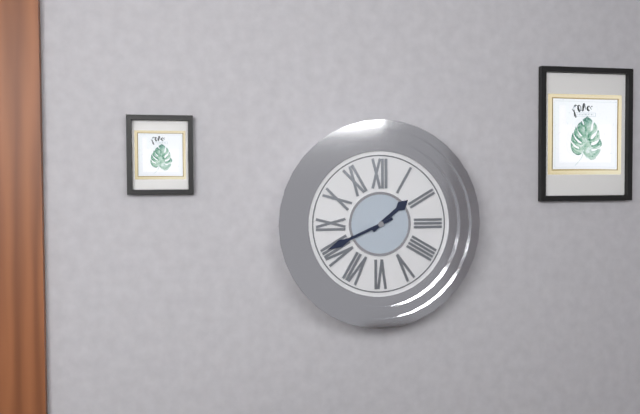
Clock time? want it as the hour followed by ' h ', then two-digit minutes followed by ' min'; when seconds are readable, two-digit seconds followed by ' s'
1 h 41 min
